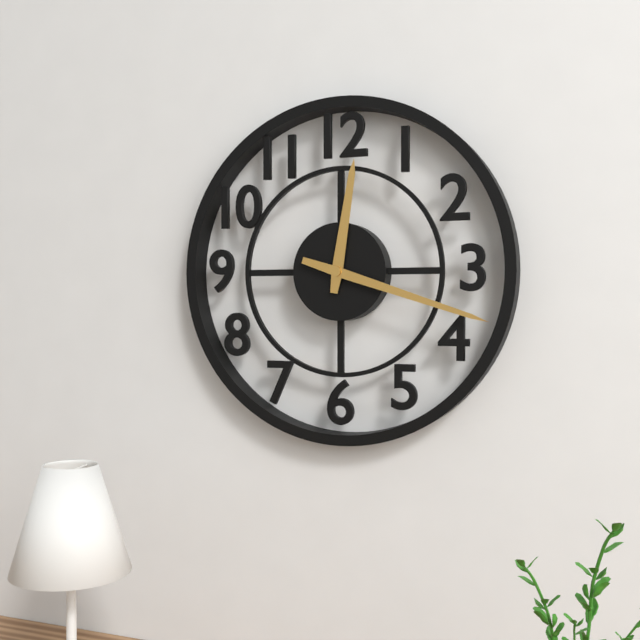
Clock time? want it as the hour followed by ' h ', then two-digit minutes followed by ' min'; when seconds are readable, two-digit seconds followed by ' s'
12 h 18 min
